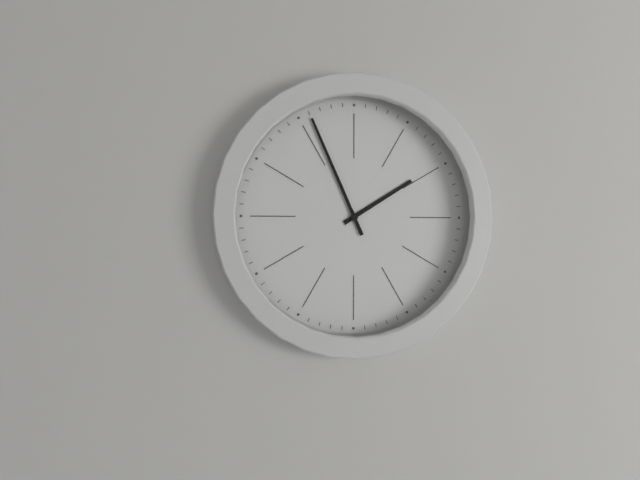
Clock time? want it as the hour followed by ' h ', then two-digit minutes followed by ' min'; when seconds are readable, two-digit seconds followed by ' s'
1 h 56 min
